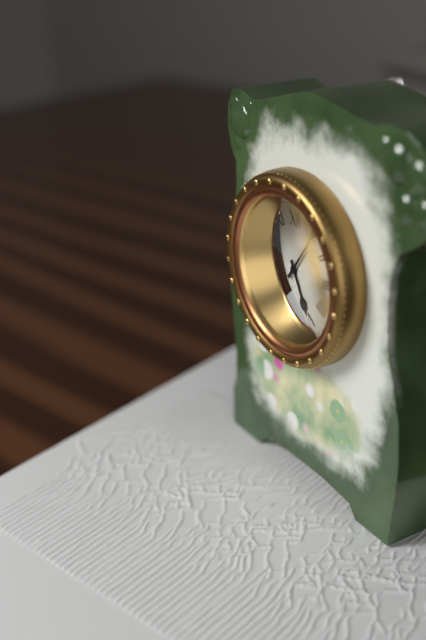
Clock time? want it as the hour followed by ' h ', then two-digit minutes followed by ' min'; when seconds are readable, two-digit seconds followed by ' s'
5 h 06 min
